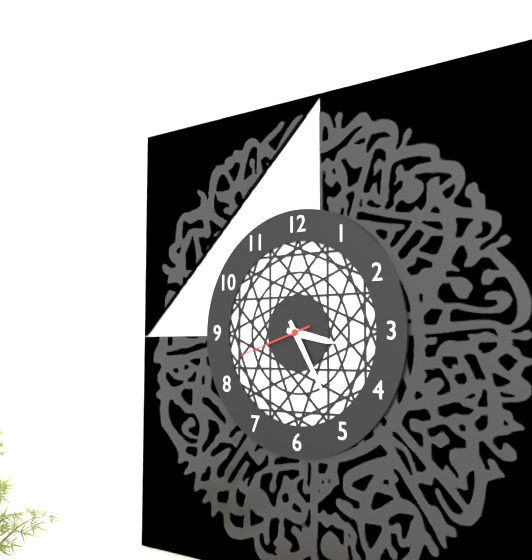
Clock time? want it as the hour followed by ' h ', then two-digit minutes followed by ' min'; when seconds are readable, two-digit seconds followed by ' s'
3 h 25 min 42 s
